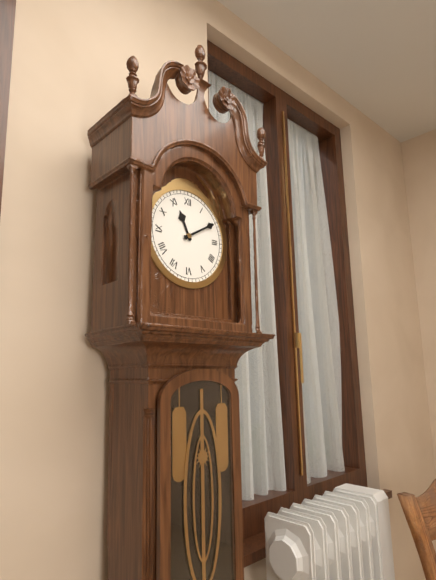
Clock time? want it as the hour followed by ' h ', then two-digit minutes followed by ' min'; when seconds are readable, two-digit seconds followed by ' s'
11 h 10 min
